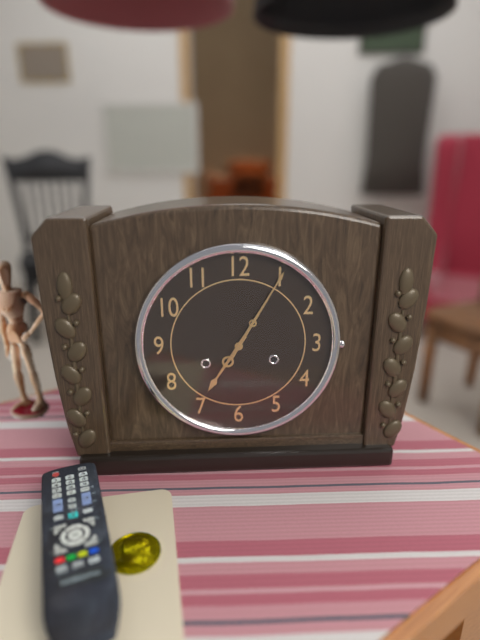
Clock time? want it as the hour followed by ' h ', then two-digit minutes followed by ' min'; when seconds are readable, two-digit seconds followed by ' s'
7 h 05 min
